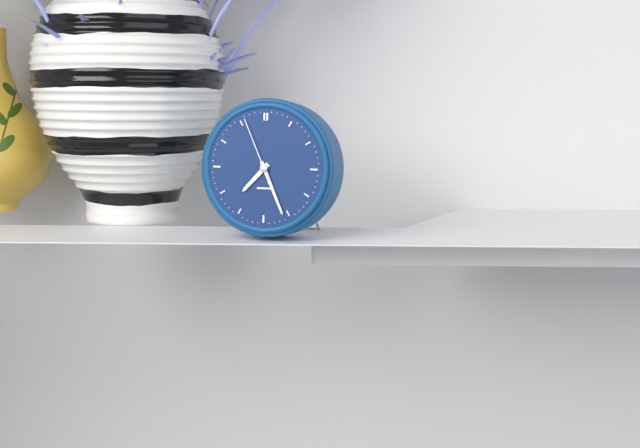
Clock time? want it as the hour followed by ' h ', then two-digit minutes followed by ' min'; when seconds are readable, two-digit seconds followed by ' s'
7 h 26 min 56 s
